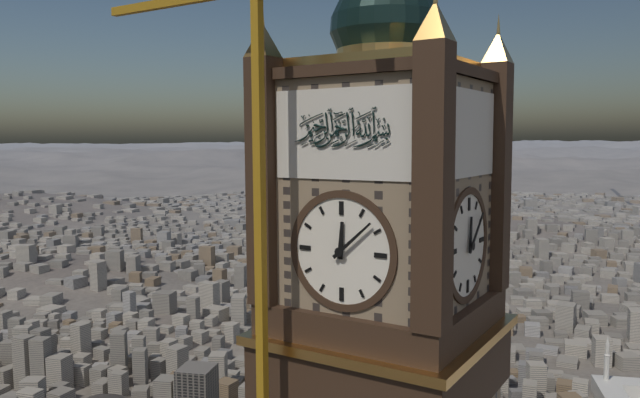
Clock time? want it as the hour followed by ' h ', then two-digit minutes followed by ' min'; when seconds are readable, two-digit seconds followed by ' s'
12 h 08 min
